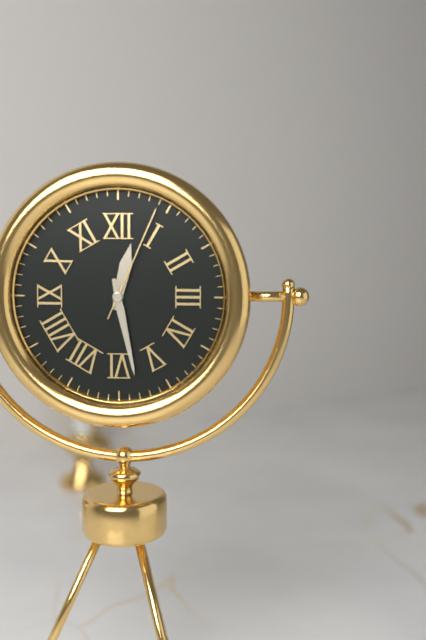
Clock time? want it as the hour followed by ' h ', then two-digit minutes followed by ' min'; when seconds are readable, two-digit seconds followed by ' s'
12 h 28 min 04 s
